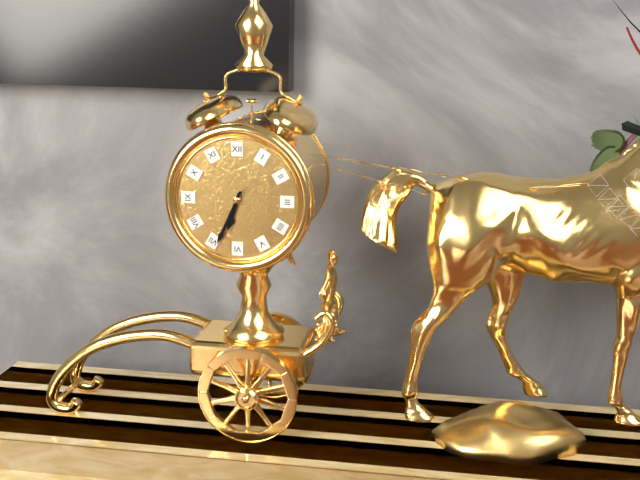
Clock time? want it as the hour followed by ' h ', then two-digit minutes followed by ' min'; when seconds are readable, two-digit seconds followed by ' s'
6 h 34 min
